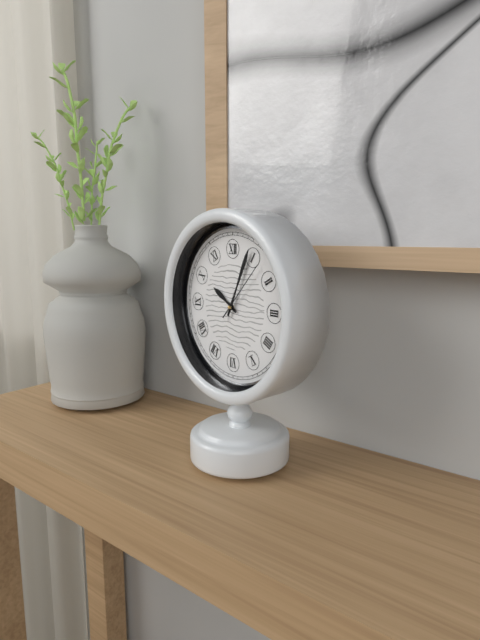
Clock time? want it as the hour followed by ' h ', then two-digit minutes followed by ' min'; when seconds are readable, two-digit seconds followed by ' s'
10 h 04 min 07 s
